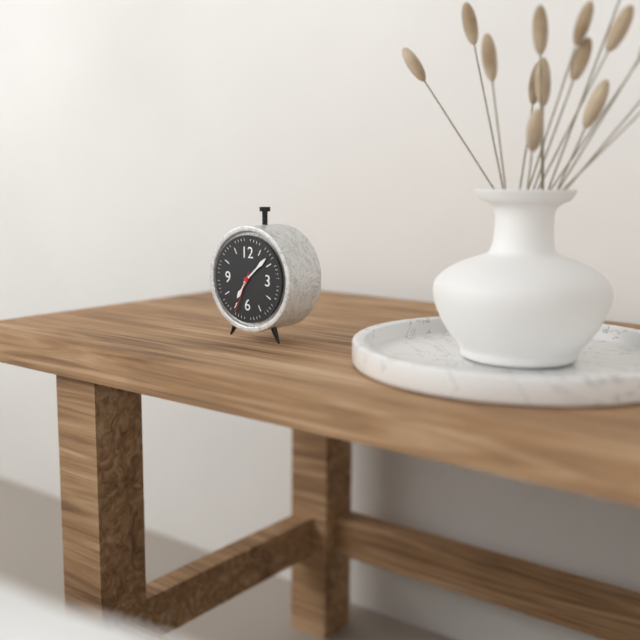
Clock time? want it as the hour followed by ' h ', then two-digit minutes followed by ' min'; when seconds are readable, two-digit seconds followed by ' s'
7 h 08 min
